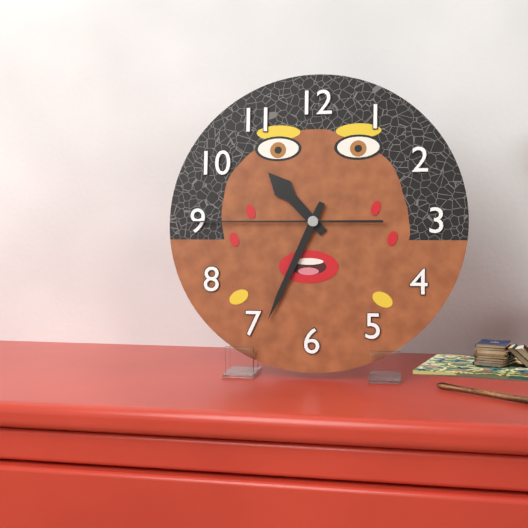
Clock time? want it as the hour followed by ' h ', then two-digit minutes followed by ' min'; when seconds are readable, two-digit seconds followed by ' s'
10 h 34 min 45 s
